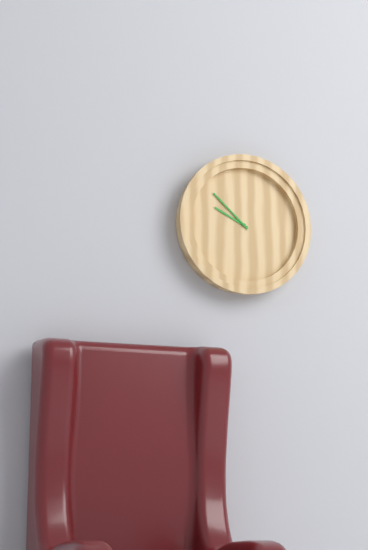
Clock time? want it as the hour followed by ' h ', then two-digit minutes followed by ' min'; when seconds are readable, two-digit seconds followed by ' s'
9 h 52 min
